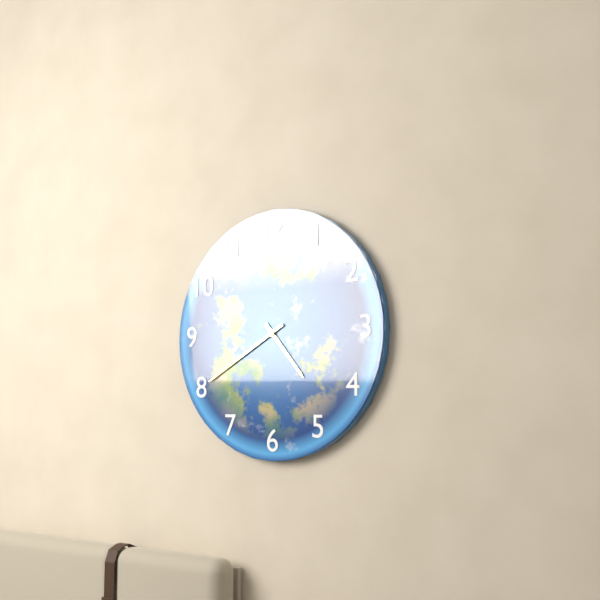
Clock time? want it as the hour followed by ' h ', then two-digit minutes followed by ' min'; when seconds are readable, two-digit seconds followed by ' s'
4 h 40 min
